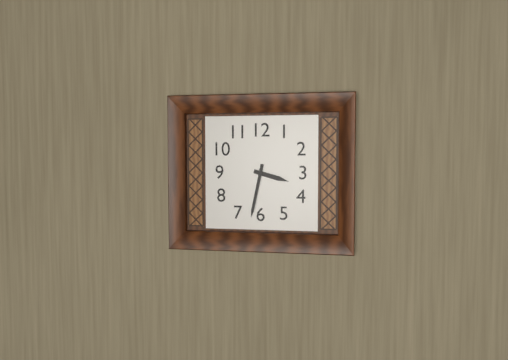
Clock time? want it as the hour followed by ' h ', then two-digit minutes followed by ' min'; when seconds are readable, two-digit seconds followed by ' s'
3 h 32 min
